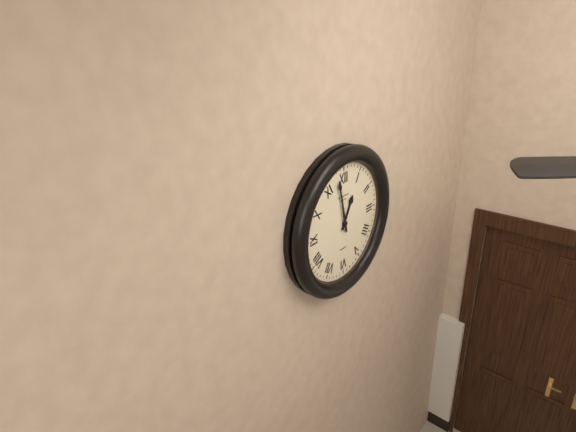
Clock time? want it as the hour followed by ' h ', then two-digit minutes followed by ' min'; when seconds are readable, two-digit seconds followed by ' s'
12 h 58 min
